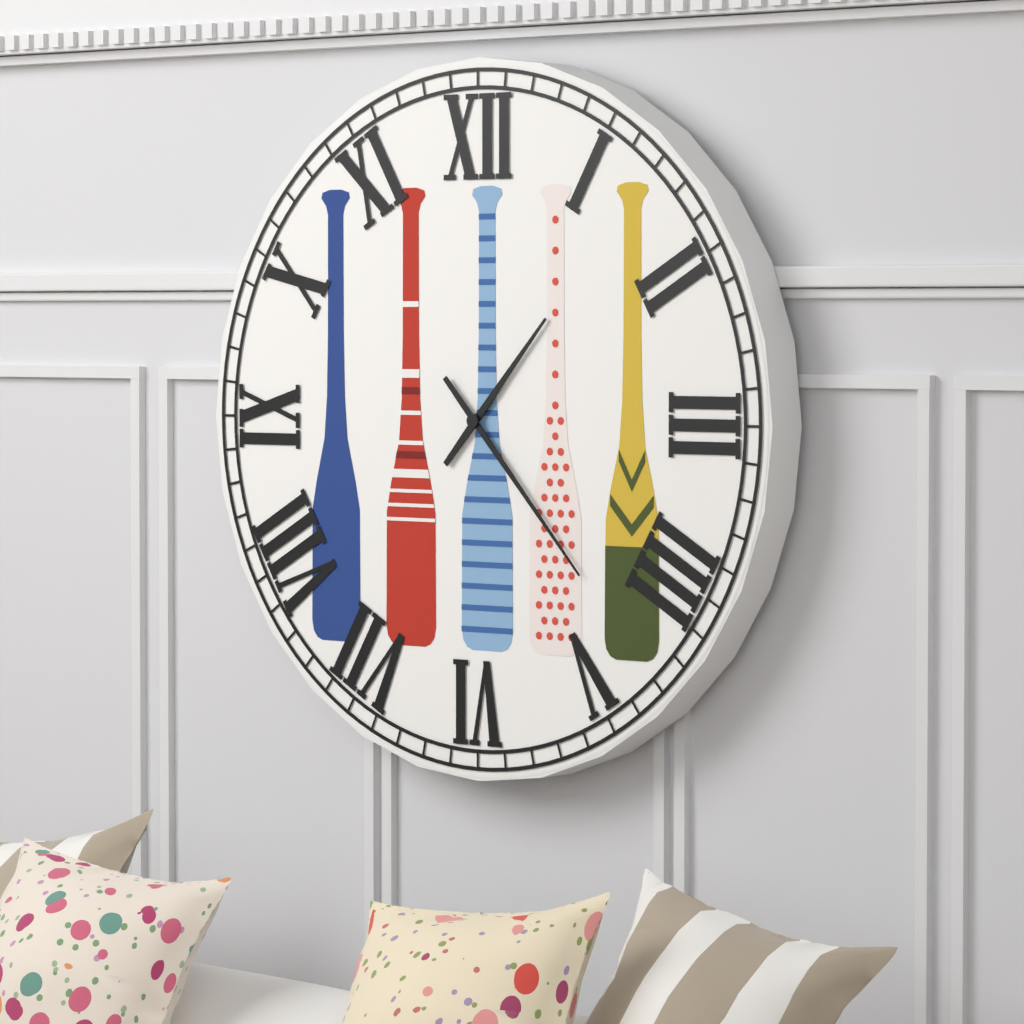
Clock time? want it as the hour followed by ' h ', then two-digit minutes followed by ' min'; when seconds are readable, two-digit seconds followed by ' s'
1 h 23 min
